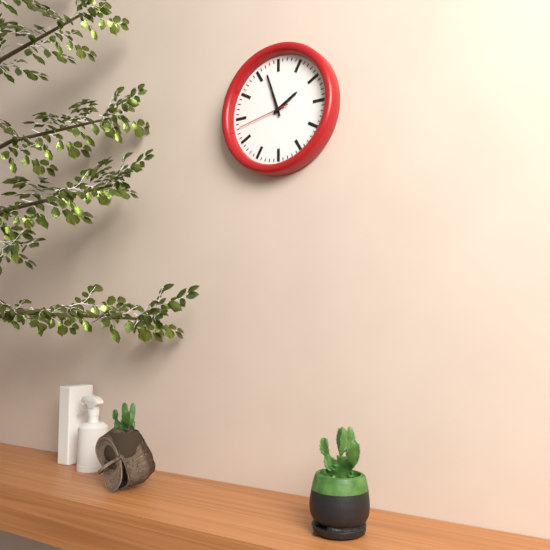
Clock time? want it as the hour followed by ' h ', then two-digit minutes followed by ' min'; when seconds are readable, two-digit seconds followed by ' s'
1 h 57 min 43 s
